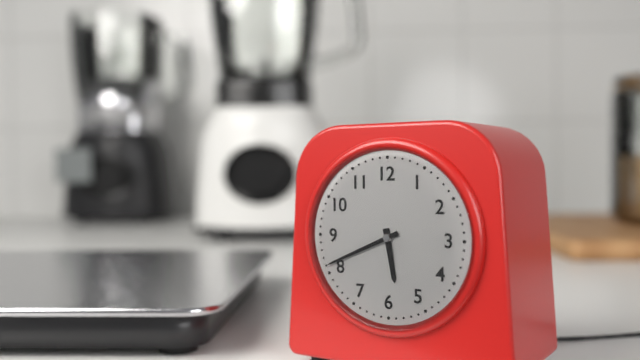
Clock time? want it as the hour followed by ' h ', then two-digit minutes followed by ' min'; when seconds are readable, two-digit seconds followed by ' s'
5 h 41 min
